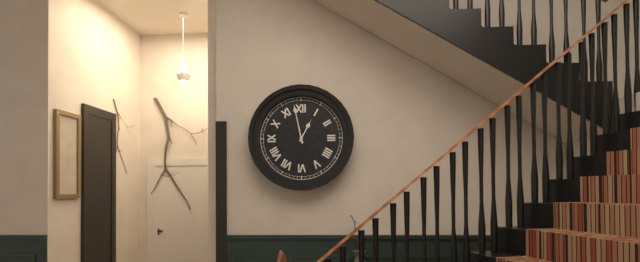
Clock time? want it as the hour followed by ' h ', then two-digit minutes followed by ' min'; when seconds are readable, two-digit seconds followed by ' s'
12 h 58 min
